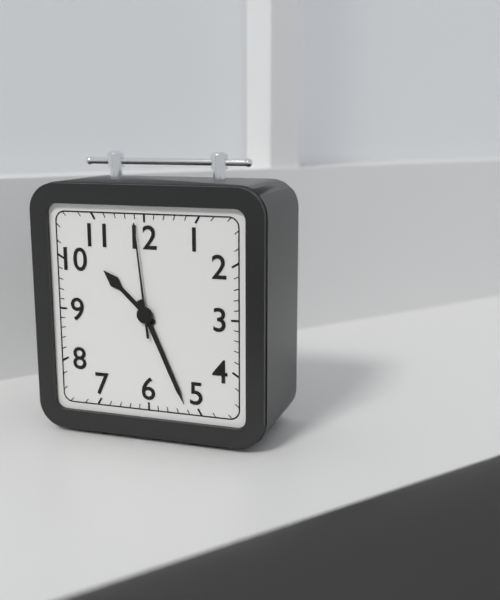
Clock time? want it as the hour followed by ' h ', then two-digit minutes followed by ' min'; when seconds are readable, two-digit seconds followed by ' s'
10 h 26 min 59 s
